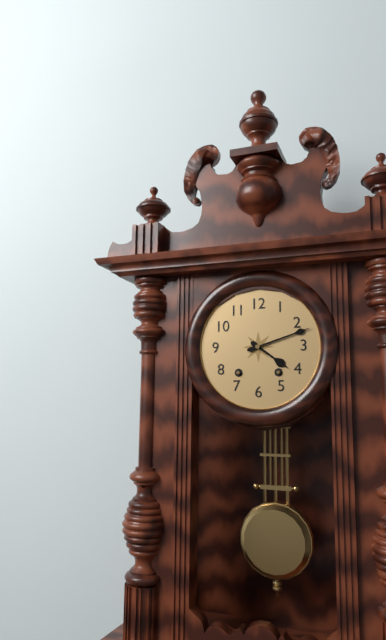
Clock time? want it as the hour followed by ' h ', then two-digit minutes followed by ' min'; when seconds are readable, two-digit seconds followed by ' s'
4 h 12 min
